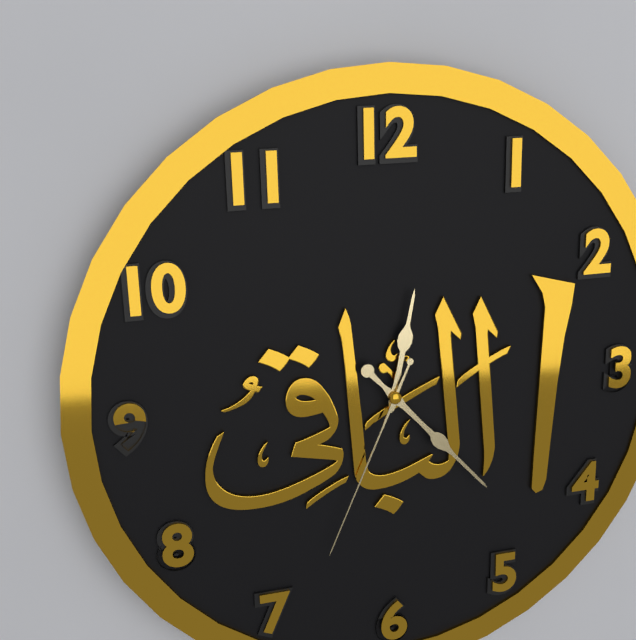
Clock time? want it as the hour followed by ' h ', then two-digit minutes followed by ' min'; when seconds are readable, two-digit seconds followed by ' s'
12 h 23 min 34 s
